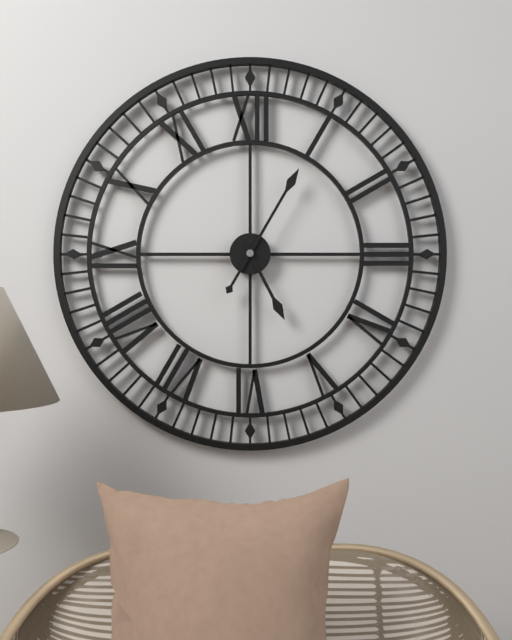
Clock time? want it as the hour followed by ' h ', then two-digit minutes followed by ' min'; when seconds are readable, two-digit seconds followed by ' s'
5 h 05 min
